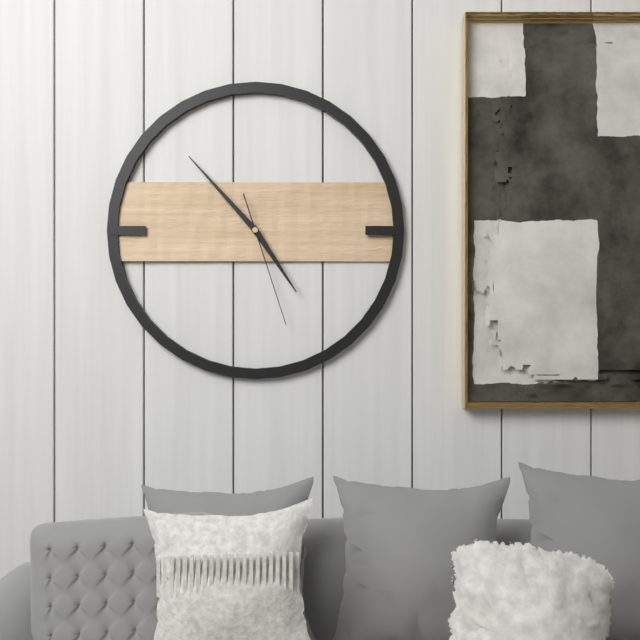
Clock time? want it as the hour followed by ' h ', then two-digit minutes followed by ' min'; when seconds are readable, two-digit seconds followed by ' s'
4 h 53 min 27 s
